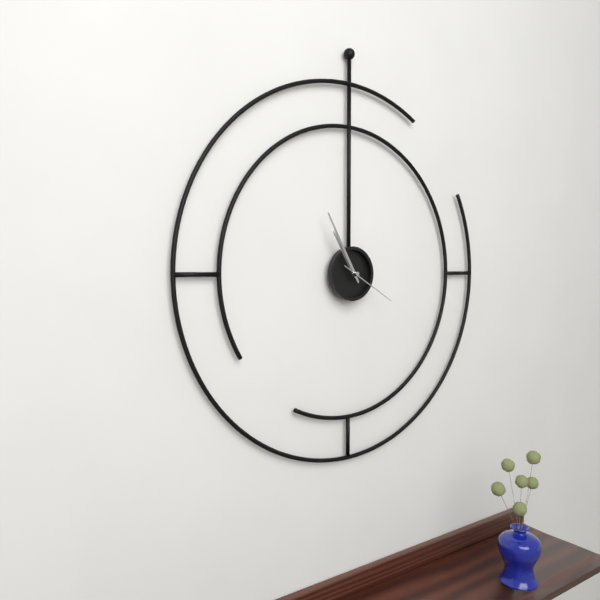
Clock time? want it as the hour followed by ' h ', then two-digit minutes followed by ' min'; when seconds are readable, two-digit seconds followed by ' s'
10 h 55 min 20 s
